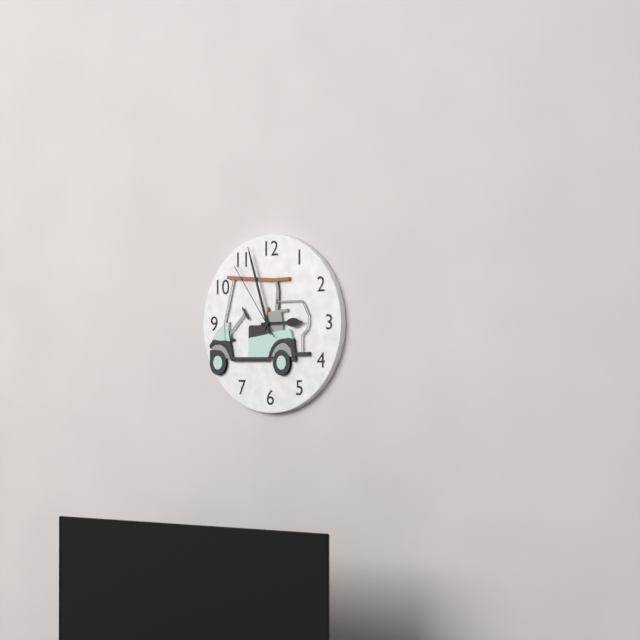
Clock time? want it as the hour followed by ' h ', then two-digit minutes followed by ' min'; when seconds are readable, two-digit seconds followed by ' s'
2 h 57 min 54 s
